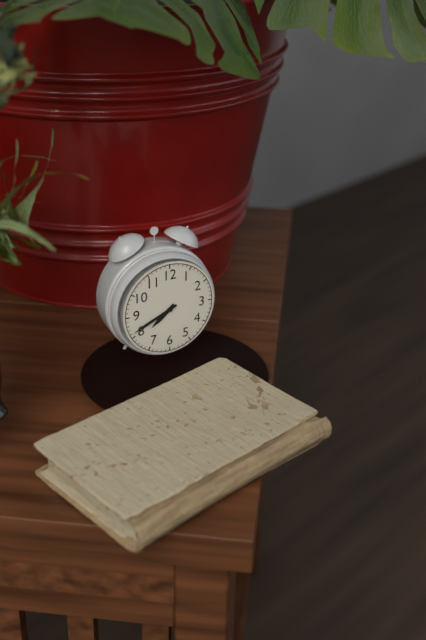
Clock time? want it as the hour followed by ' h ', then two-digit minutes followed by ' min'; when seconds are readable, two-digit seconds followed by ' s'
7 h 41 min
